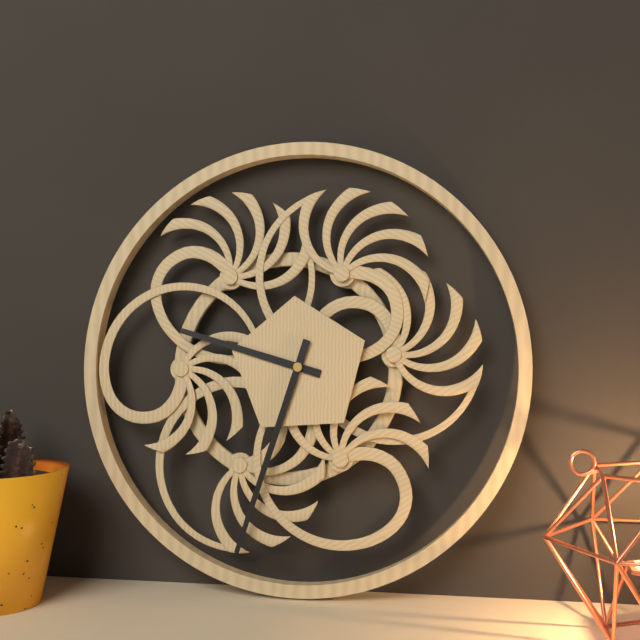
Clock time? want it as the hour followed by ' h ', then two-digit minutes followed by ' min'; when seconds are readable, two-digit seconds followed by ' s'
9 h 33 min
